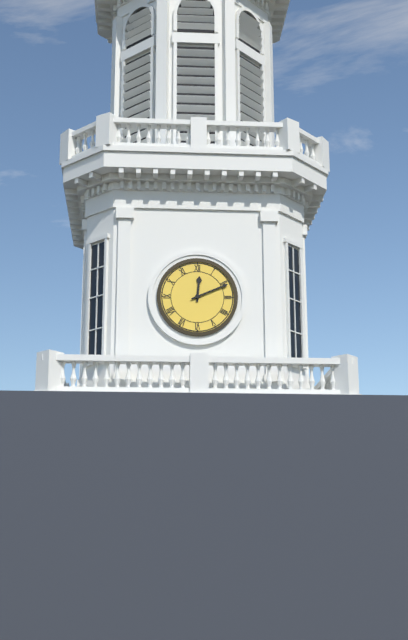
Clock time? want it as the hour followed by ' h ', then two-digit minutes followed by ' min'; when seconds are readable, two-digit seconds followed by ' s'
12 h 11 min
